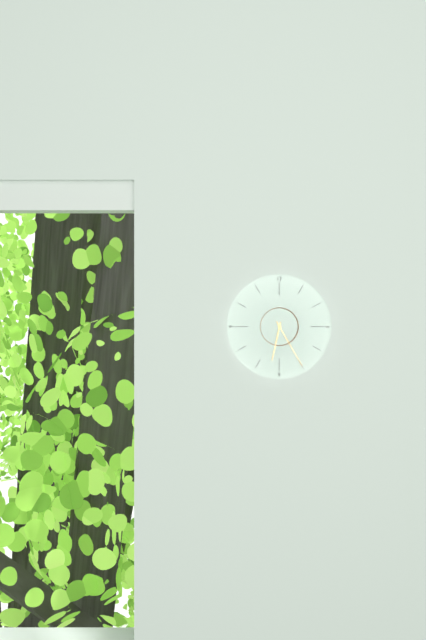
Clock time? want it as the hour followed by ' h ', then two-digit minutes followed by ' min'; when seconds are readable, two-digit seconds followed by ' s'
6 h 25 min
